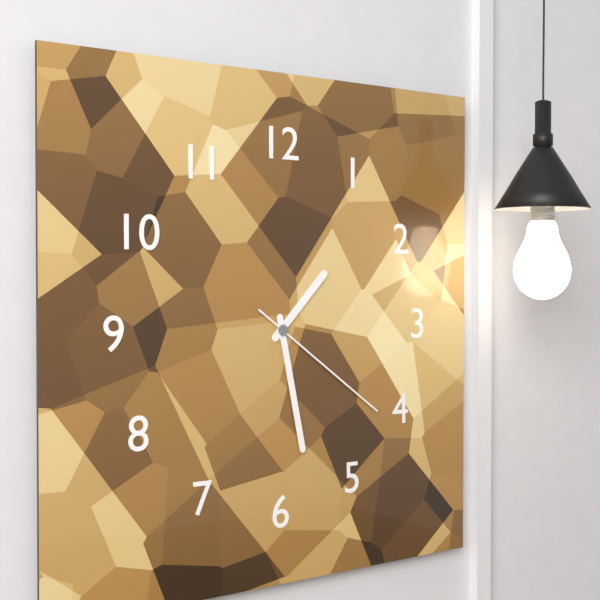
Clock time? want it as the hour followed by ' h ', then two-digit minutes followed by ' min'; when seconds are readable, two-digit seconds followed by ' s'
1 h 28 min 21 s
